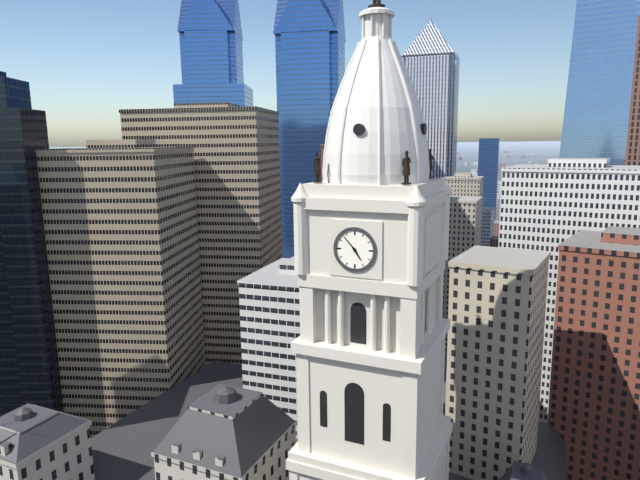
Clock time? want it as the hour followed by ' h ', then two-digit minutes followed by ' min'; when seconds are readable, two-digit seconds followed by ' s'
4 h 53 min
